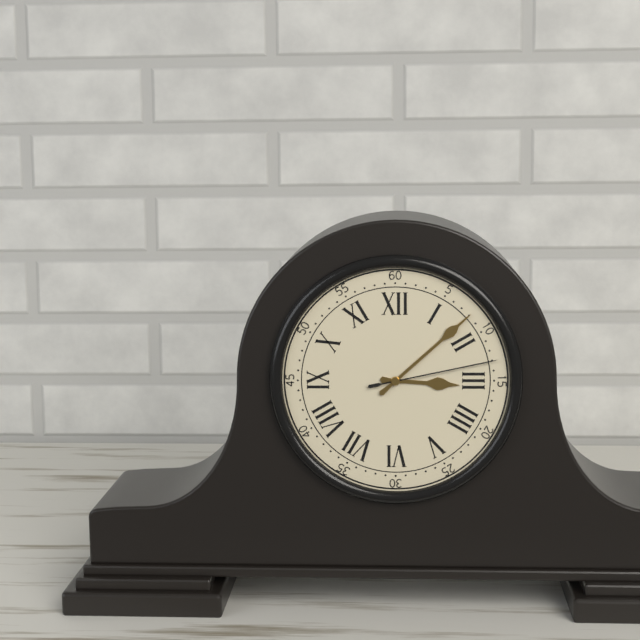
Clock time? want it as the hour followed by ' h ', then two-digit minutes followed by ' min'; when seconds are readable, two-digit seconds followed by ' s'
3 h 08 min 13 s
